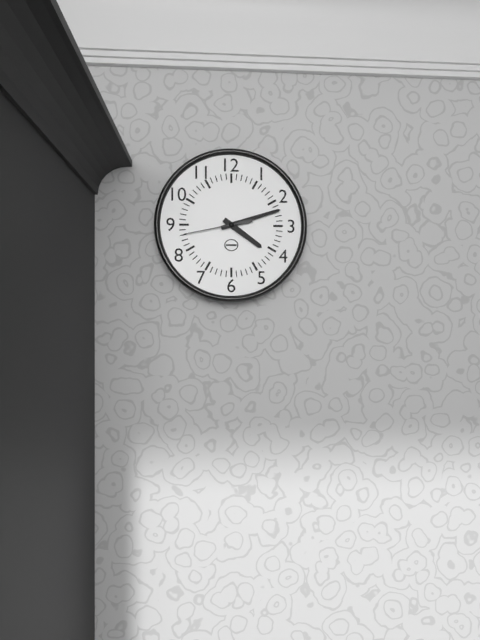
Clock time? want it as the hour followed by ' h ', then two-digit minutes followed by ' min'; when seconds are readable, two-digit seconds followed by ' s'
4 h 12 min 43 s
